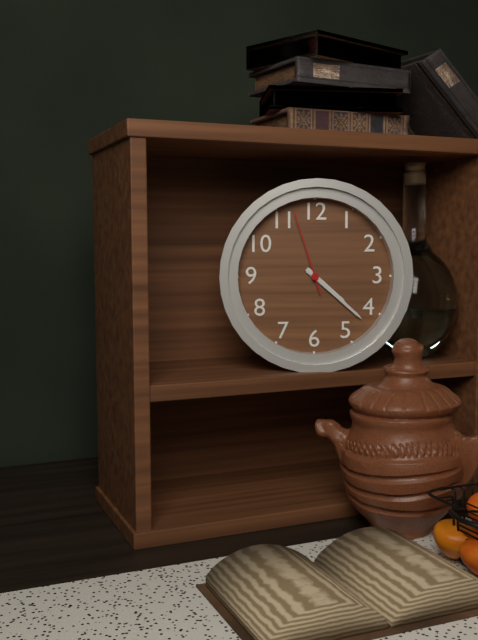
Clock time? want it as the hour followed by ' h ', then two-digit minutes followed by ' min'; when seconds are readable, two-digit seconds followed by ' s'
4 h 22 min 57 s
